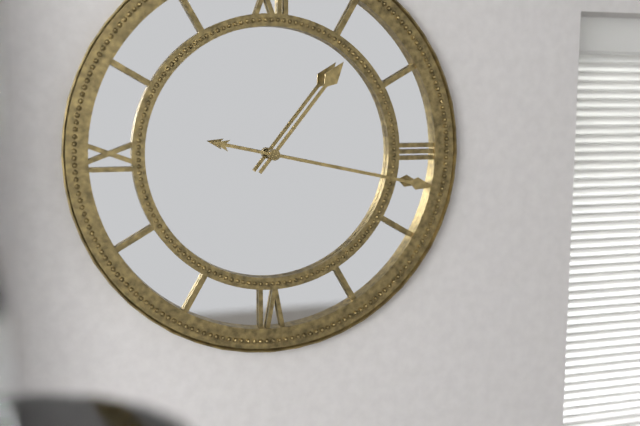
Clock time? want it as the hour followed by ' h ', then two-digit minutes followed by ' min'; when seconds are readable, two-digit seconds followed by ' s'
1 h 17 min
